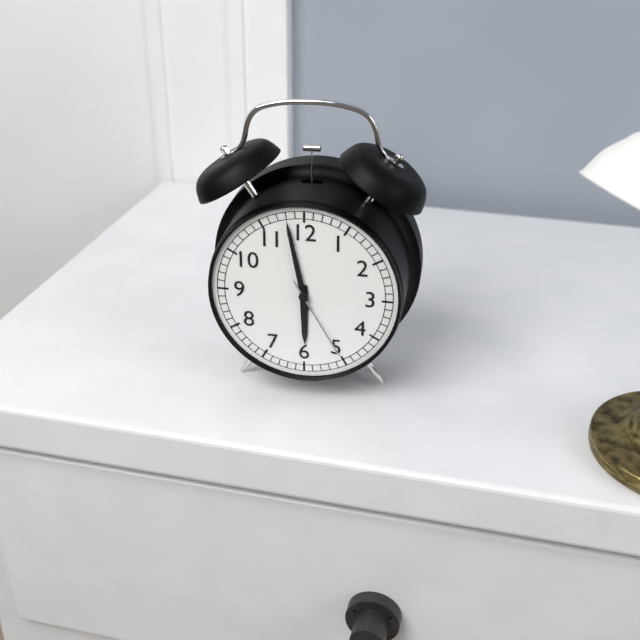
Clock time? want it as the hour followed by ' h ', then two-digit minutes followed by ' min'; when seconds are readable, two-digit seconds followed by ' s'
5 h 58 min 25 s
